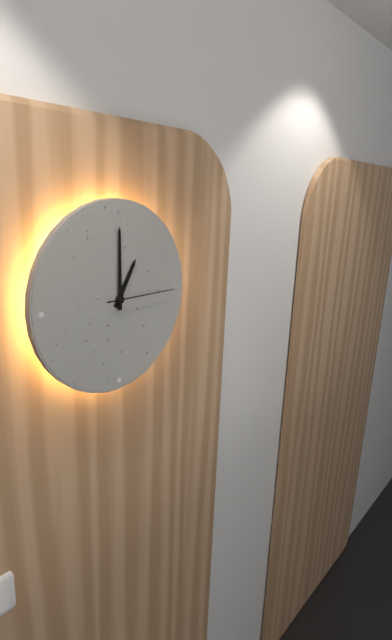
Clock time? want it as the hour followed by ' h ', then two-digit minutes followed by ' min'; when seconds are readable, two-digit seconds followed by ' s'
1 h 00 min 15 s
